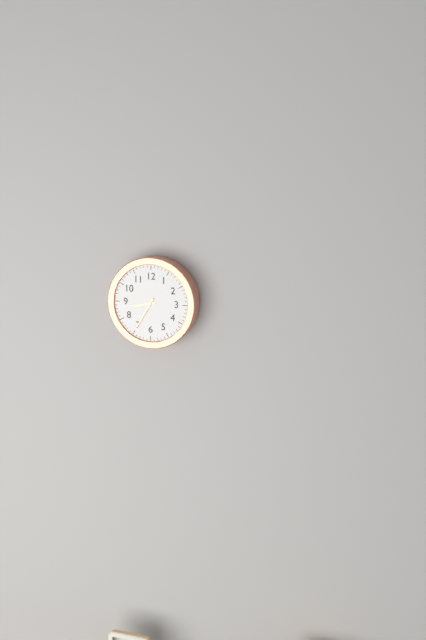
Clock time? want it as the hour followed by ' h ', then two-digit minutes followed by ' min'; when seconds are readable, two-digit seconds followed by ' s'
8 h 35 min
